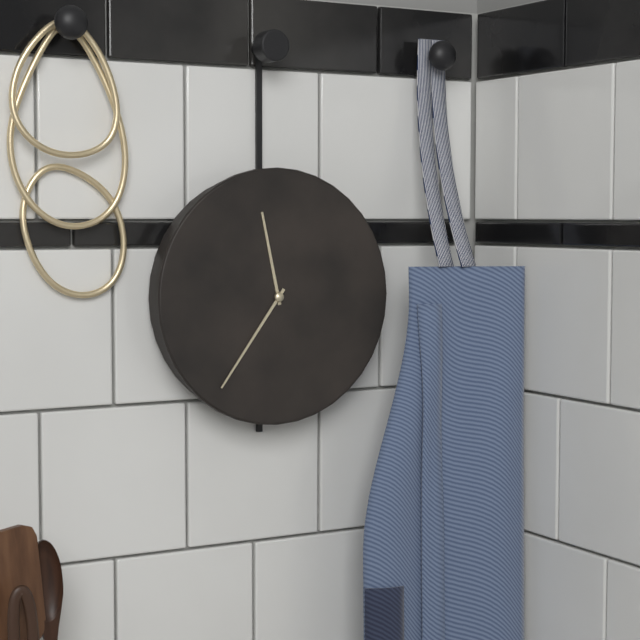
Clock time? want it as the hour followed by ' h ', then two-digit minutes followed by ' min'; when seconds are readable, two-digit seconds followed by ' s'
11 h 36 min
